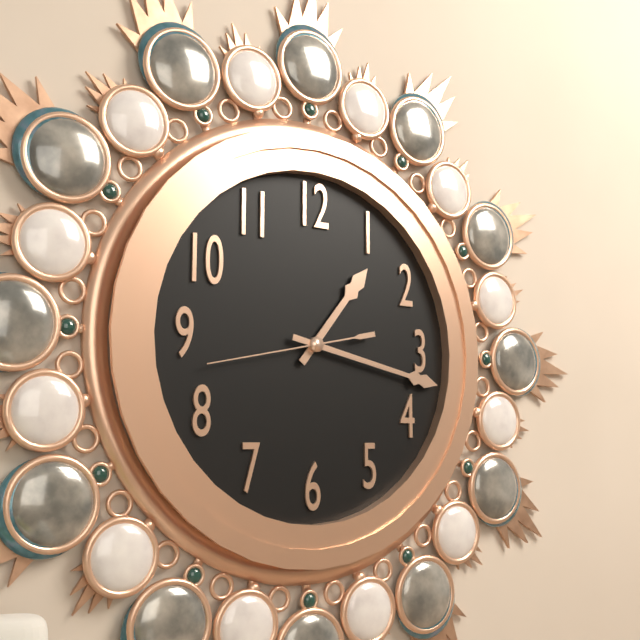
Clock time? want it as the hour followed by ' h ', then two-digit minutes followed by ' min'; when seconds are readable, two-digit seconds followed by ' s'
1 h 17 min 43 s
